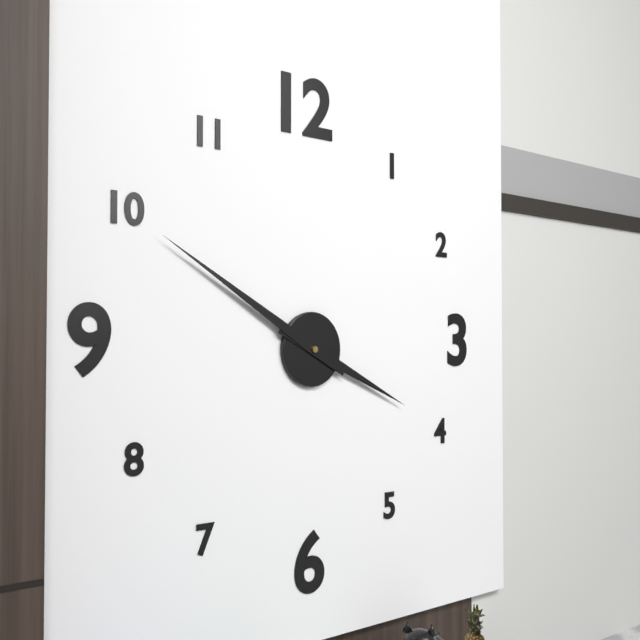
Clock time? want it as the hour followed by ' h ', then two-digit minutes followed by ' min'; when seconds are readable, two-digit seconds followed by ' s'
3 h 50 min
